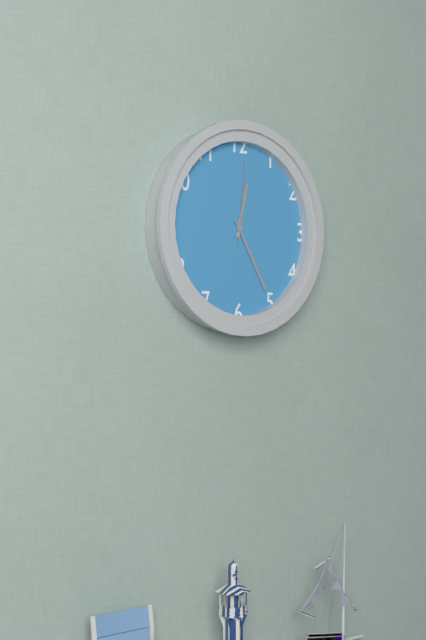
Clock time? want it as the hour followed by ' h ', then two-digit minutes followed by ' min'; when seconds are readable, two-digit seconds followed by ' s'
12 h 25 min 01 s
